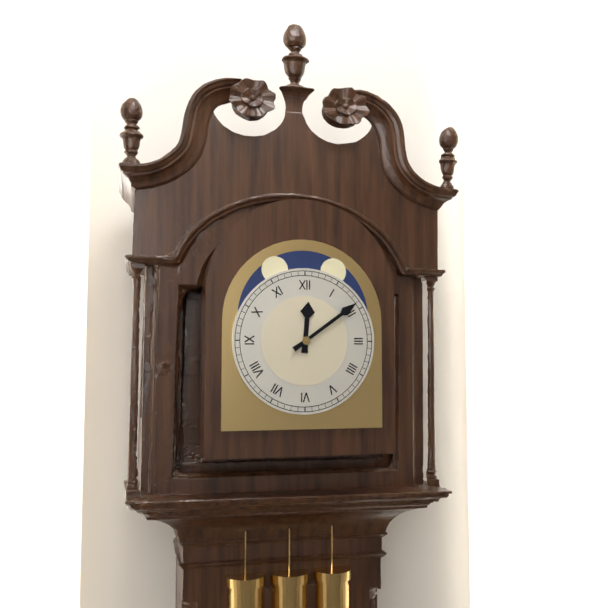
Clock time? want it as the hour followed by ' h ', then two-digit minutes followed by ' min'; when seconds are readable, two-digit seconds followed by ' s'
12 h 09 min
